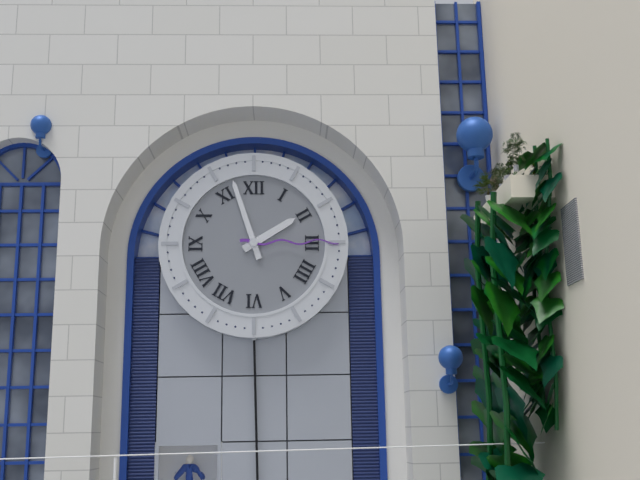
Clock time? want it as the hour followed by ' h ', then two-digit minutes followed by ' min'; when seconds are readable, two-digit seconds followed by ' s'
1 h 57 min 15 s
